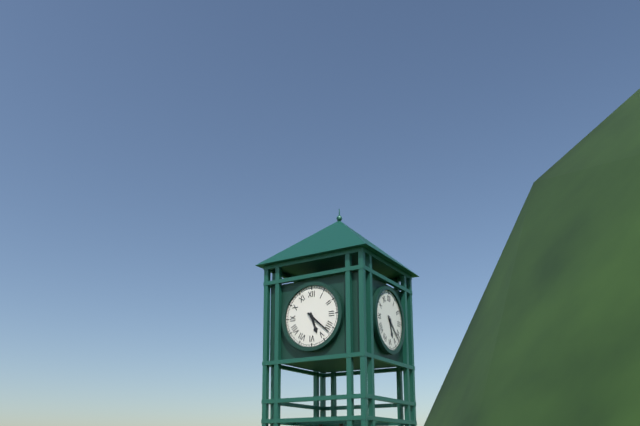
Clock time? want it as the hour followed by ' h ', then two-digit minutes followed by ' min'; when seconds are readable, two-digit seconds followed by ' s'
5 h 22 min
